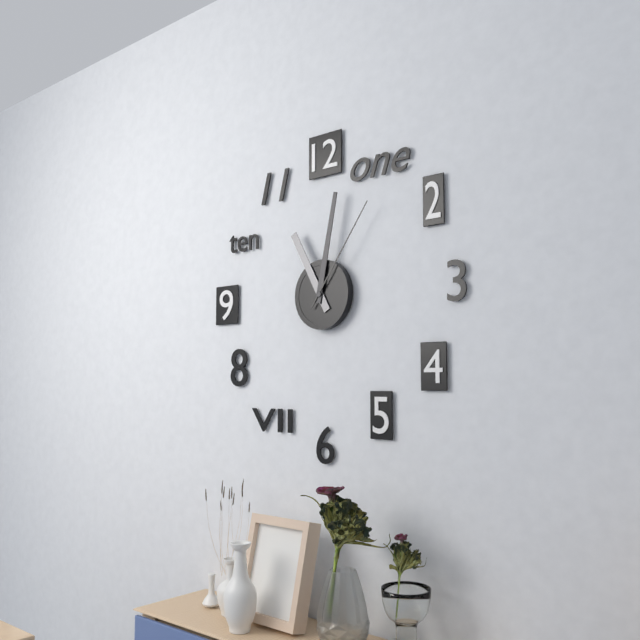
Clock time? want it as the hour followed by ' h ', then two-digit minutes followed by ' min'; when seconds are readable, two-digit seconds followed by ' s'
11 h 02 min 06 s
